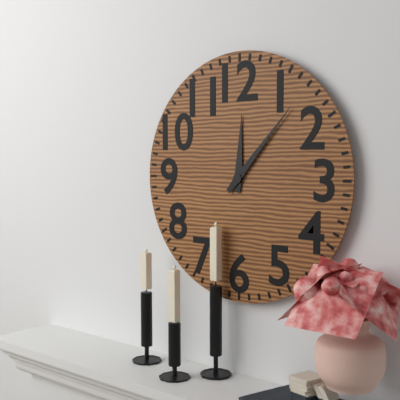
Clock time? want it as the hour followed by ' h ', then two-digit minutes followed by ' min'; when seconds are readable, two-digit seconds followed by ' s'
12 h 07 min
